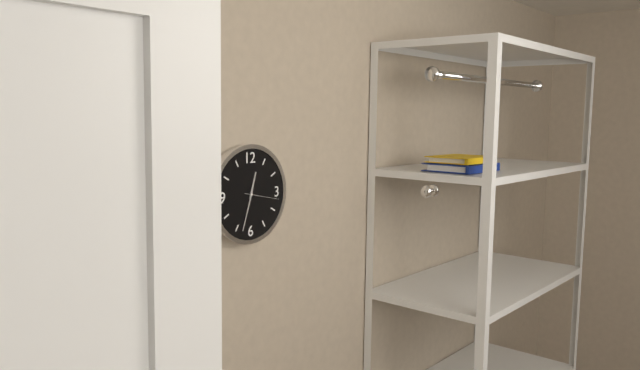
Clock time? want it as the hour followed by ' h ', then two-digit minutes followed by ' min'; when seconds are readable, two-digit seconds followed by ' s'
12 h 33 min
